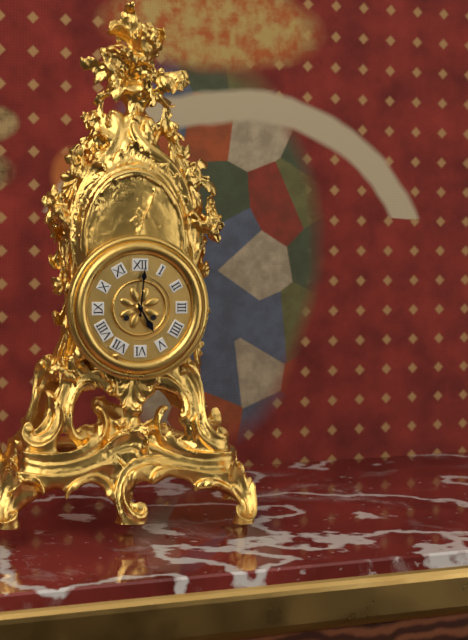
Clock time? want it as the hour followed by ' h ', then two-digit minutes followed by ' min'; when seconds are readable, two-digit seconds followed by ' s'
5 h 01 min
